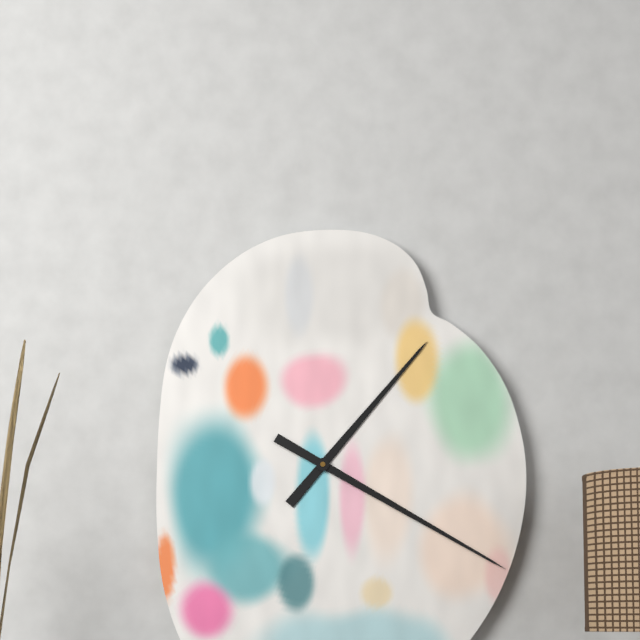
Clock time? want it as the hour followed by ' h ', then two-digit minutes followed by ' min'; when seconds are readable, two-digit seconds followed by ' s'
1 h 20 min
